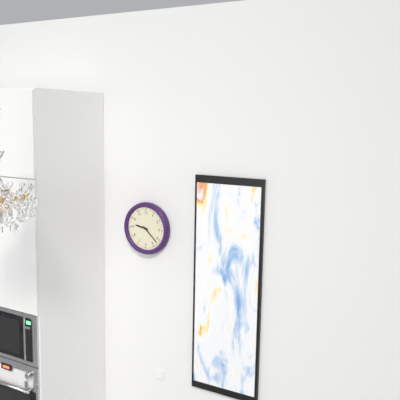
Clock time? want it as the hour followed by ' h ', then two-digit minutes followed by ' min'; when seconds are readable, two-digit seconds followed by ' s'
9 h 22 min
